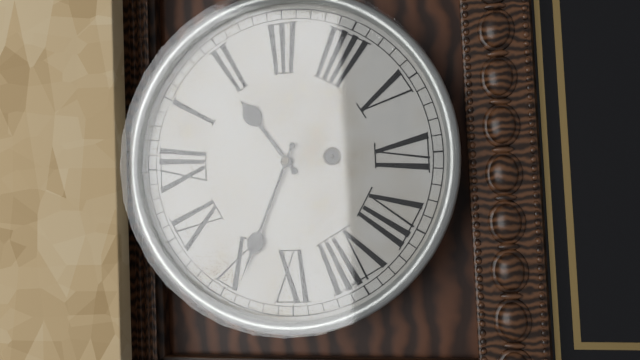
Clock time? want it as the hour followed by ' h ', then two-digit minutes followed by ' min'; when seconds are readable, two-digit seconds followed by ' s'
1 h 49 min
